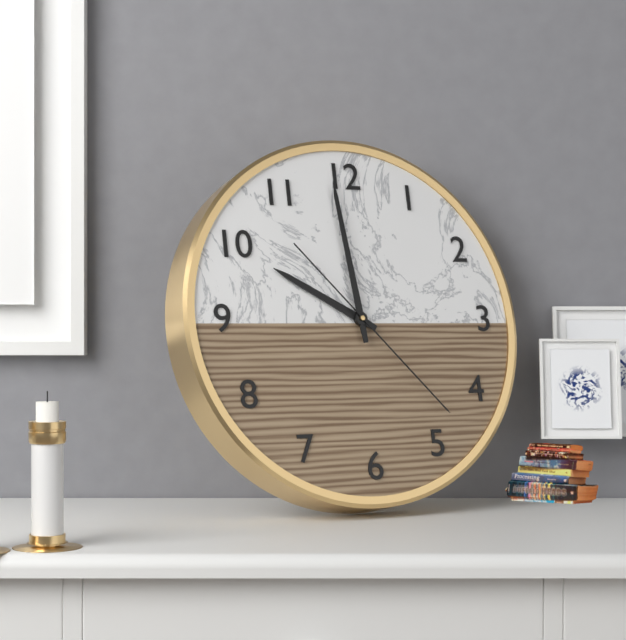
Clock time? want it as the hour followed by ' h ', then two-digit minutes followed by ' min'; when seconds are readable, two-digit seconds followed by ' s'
9 h 59 min 23 s
